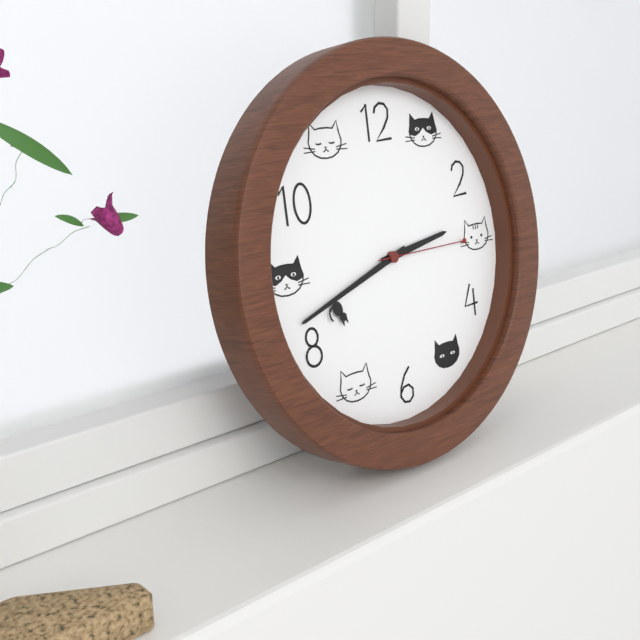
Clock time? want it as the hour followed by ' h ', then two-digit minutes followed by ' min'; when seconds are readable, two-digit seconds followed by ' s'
2 h 42 min 15 s
